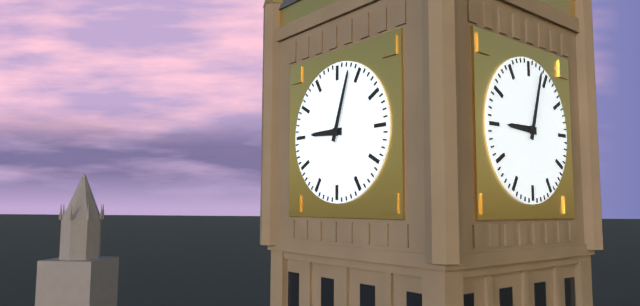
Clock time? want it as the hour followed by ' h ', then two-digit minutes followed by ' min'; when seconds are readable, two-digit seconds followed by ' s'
9 h 03 min
